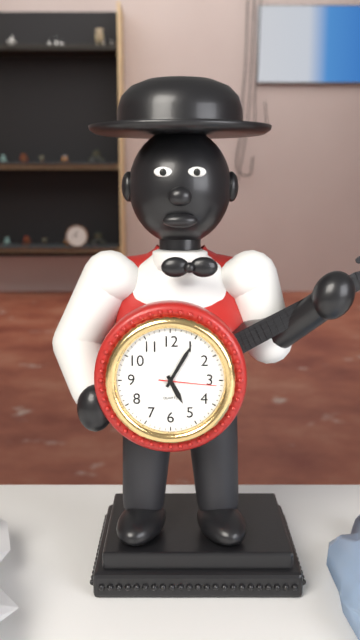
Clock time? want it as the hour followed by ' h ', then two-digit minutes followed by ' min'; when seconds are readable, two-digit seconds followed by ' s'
5 h 05 min 16 s
